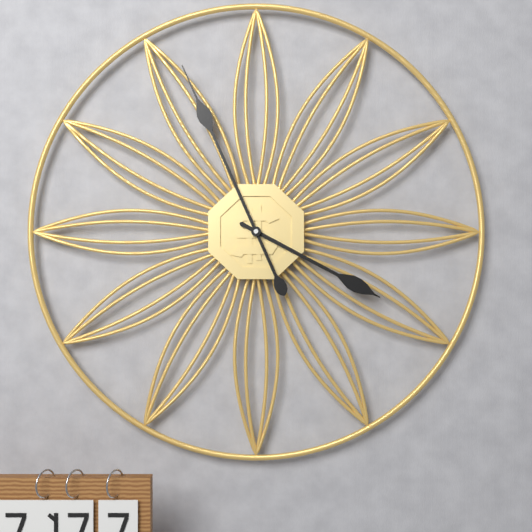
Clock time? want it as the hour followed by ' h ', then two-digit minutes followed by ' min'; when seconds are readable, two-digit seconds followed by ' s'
3 h 56 min
